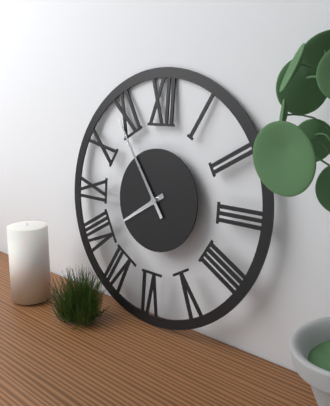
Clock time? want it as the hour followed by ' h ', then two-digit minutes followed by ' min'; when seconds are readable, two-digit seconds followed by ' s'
7 h 54 min
